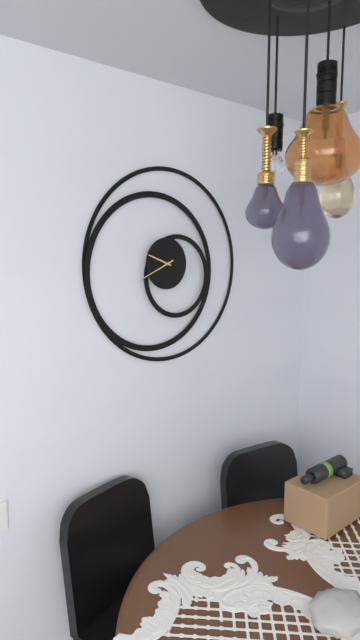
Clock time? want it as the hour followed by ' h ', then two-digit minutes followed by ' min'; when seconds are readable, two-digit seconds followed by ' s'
9 h 41 min
